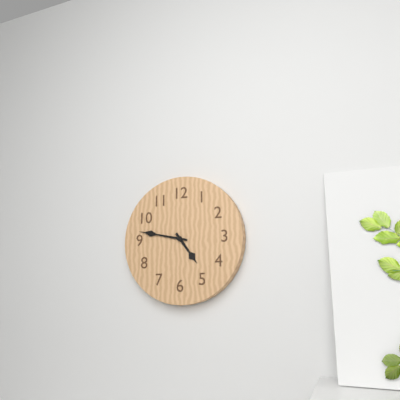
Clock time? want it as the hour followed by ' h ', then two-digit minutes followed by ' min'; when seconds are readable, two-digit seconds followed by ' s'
4 h 47 min
